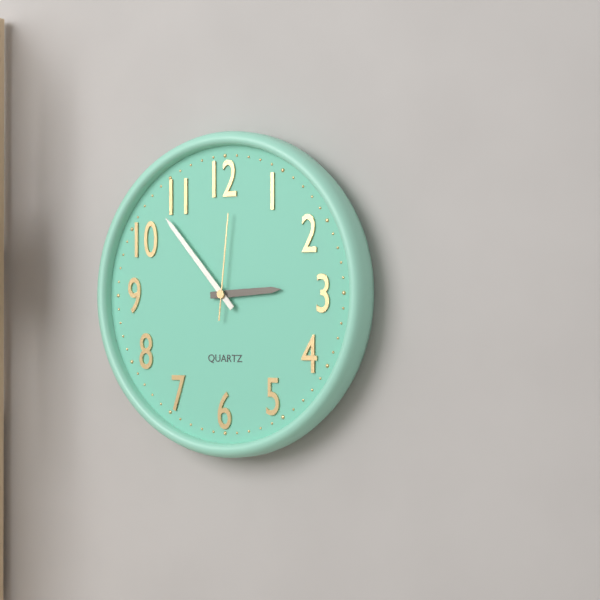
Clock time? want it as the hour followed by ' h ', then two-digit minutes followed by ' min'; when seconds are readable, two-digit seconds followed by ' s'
2 h 53 min 01 s
